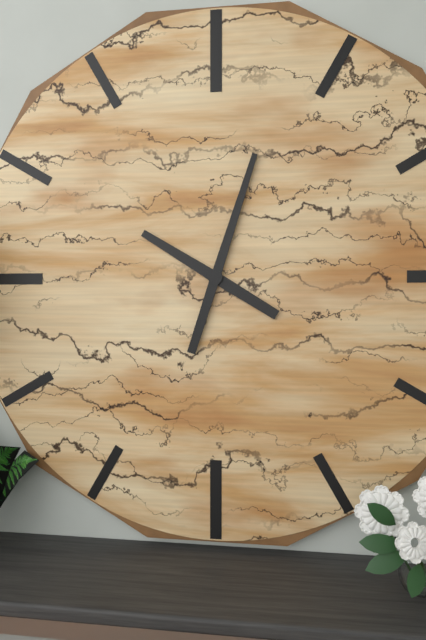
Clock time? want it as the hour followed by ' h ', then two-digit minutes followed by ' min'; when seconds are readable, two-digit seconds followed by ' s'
10 h 03 min
